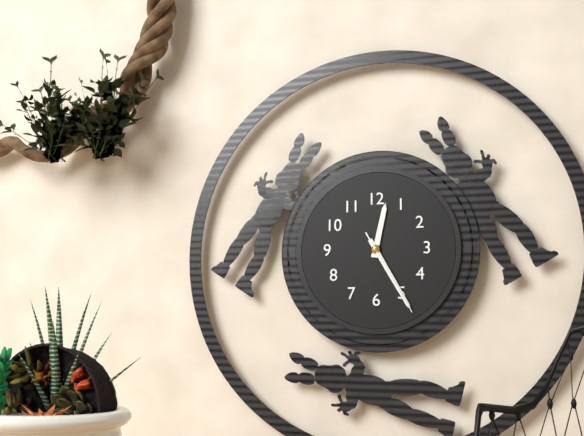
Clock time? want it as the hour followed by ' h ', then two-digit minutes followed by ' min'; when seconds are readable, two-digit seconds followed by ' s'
12 h 25 min 25 s
